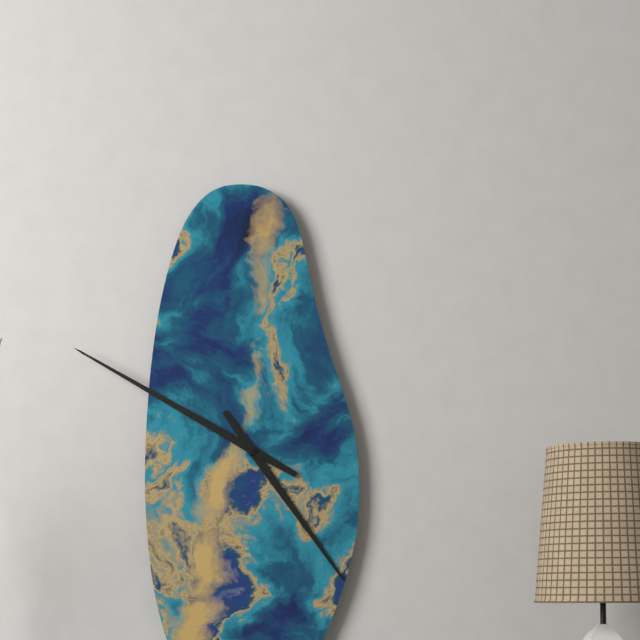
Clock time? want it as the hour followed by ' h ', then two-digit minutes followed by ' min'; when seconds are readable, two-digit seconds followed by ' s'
4 h 50 min
